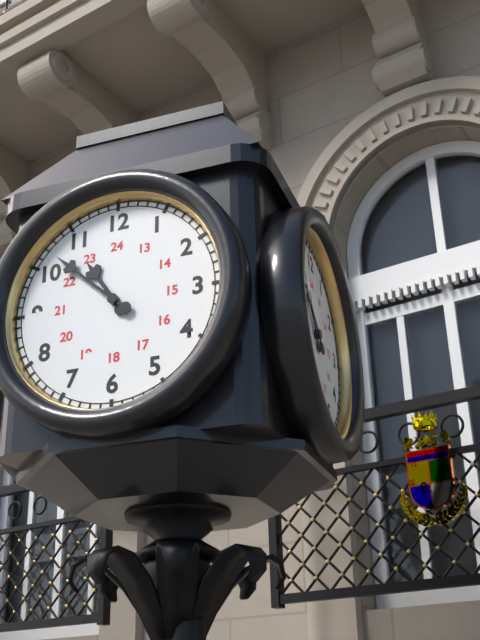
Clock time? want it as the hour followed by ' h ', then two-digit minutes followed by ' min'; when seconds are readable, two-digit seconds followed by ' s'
10 h 52 min
